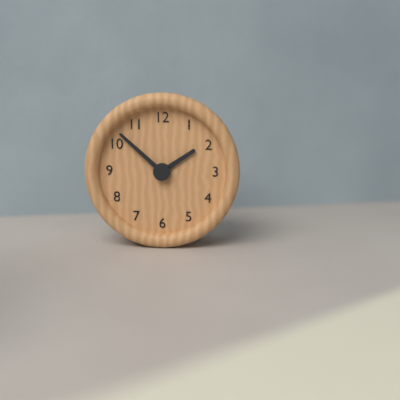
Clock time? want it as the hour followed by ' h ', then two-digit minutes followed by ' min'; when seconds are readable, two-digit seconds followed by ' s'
1 h 52 min
